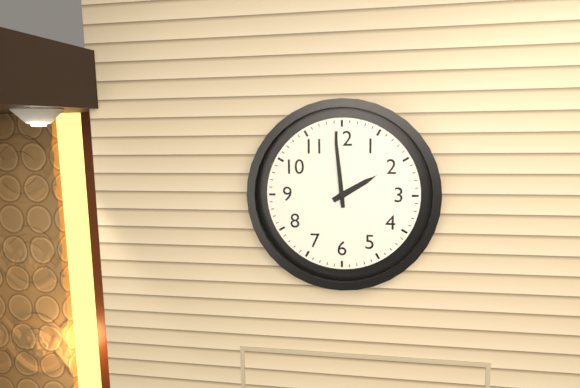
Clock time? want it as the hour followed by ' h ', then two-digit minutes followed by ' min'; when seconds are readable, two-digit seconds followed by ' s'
1 h 59 min
